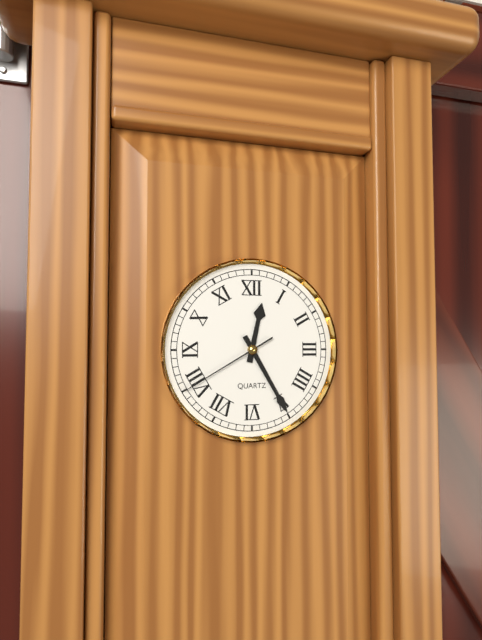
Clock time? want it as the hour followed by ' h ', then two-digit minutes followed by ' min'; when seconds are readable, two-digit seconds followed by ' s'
12 h 25 min 40 s
